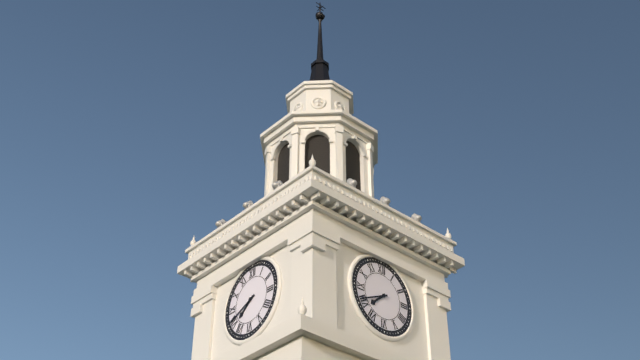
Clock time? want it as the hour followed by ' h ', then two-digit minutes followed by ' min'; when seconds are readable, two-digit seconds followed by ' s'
7 h 41 min
